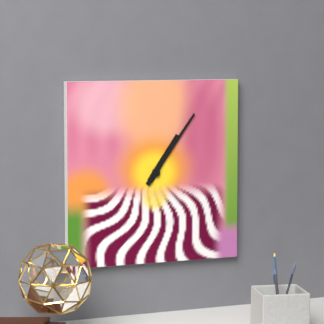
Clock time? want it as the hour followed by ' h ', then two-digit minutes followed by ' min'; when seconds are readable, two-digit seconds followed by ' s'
1 h 06 min
